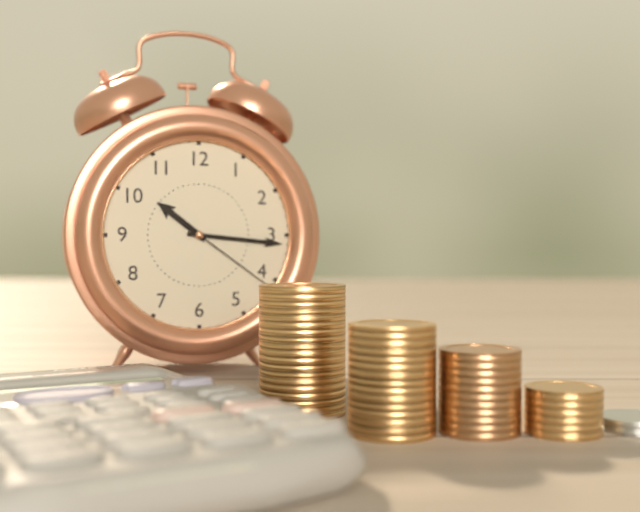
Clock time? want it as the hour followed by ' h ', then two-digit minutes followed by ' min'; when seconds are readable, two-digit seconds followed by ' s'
10 h 16 min 21 s
